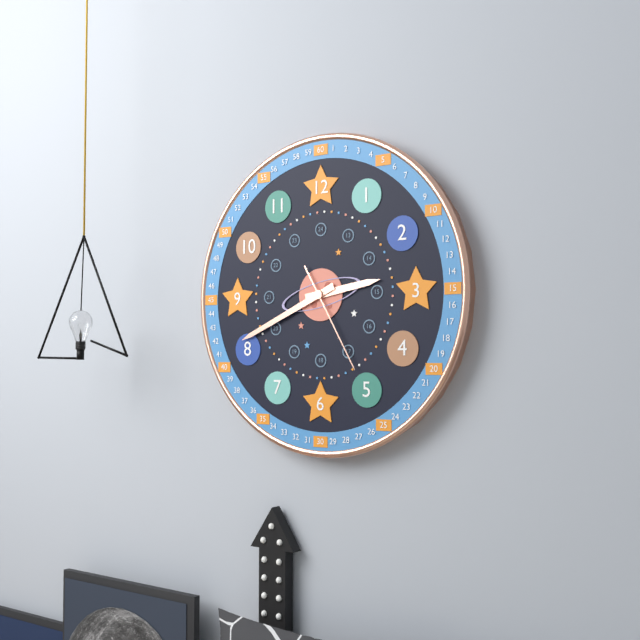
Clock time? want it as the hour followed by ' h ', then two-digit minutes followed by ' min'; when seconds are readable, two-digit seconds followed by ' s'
2 h 41 min 25 s
